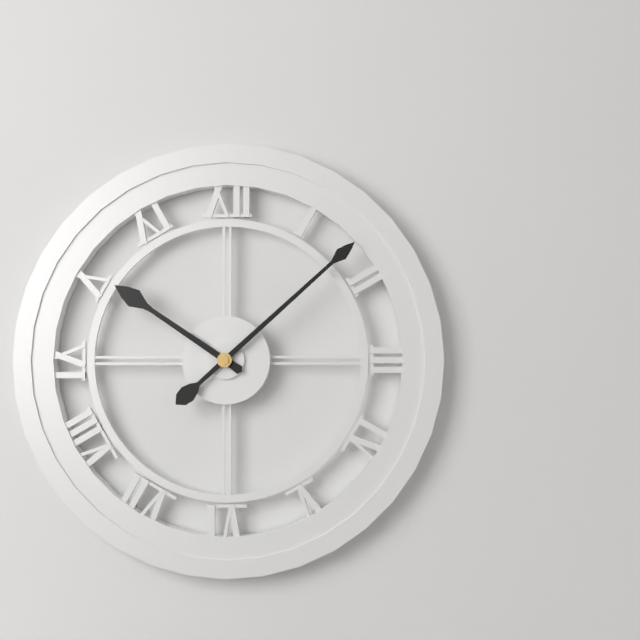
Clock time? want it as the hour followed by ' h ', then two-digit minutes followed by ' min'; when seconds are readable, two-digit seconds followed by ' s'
10 h 08 min
